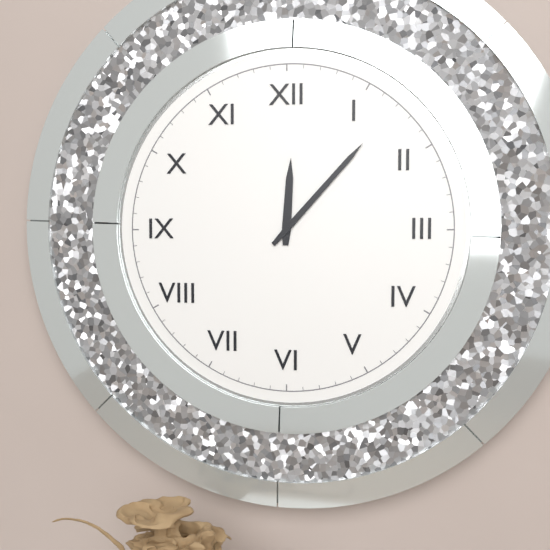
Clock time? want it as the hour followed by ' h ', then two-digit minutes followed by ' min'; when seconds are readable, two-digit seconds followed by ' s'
12 h 07 min
